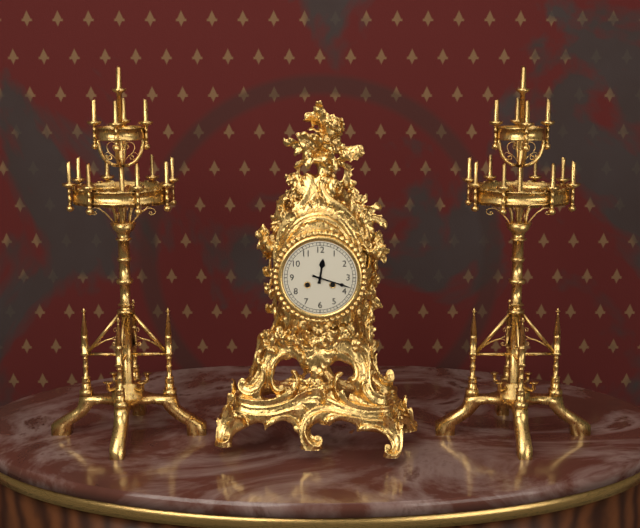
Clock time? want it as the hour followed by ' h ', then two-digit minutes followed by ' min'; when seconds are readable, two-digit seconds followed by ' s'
12 h 18 min
